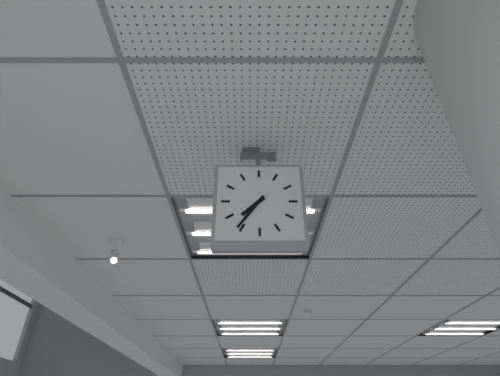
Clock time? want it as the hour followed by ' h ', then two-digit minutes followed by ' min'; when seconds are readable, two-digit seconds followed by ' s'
7 h 36 min
